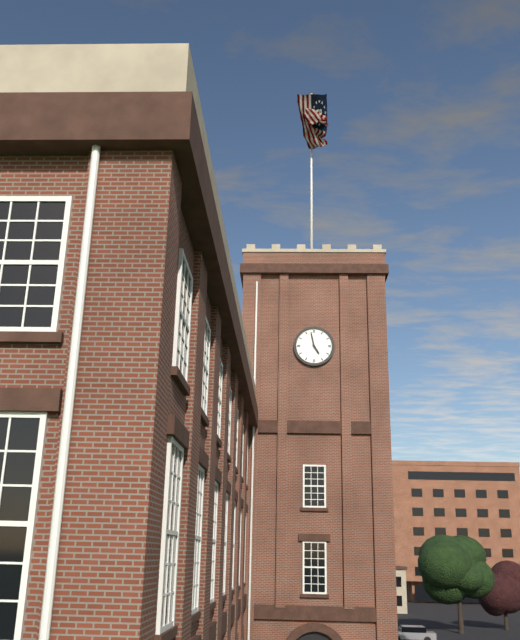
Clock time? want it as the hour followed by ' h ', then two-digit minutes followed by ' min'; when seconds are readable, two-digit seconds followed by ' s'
4 h 58 min
